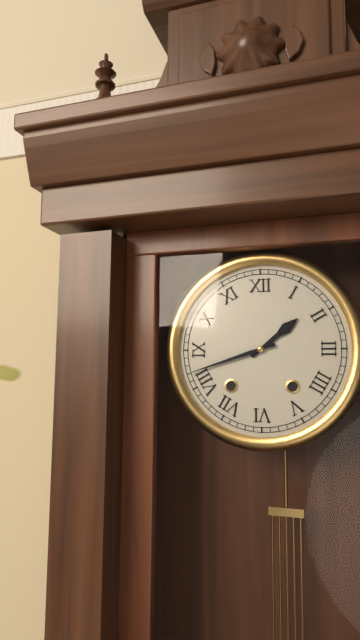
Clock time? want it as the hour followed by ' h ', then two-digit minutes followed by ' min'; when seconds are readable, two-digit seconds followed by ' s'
1 h 42 min
